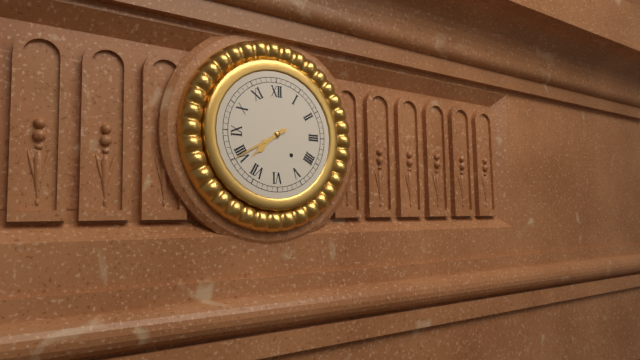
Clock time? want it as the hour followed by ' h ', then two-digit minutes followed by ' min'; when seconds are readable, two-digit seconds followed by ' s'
7 h 40 min
